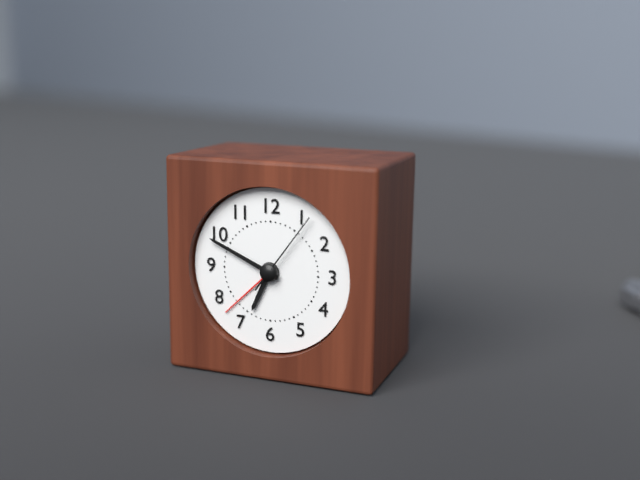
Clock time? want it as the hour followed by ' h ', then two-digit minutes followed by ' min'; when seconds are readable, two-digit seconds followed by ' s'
6 h 49 min 06 s
